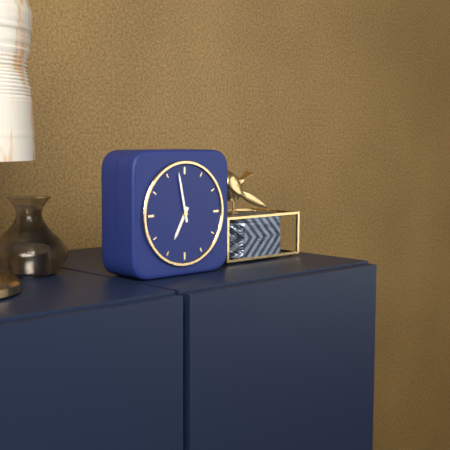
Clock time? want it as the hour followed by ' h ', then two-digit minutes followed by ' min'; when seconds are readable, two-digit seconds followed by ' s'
6 h 58 min
